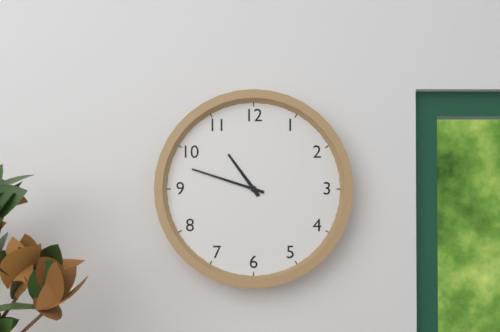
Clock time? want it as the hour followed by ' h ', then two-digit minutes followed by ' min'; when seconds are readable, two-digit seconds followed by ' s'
10 h 48 min
